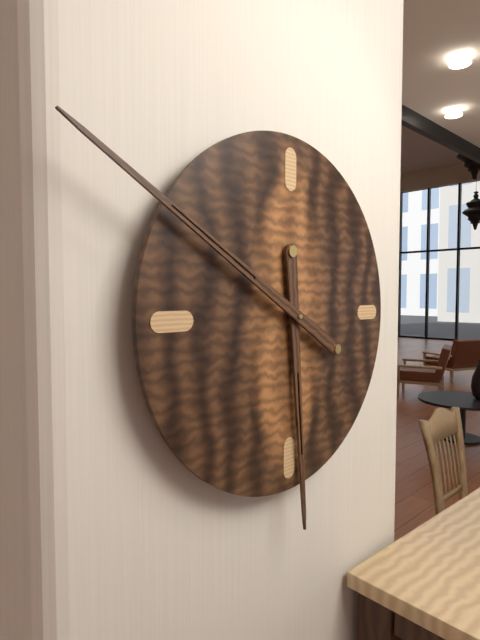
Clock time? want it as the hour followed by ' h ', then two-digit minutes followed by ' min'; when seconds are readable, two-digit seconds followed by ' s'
5 h 50 min
